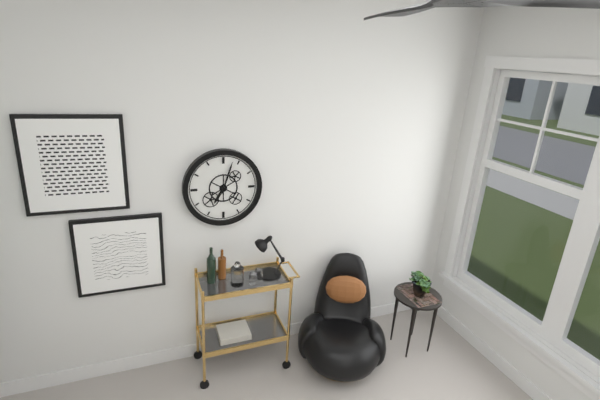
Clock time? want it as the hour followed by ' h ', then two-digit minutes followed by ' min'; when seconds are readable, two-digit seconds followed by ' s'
7 h 03 min
